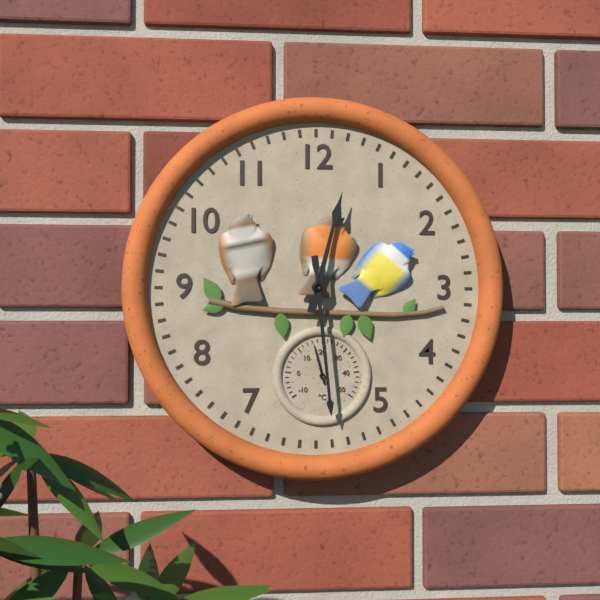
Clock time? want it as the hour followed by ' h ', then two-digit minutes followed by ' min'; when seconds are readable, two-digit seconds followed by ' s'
12 h 29 min
